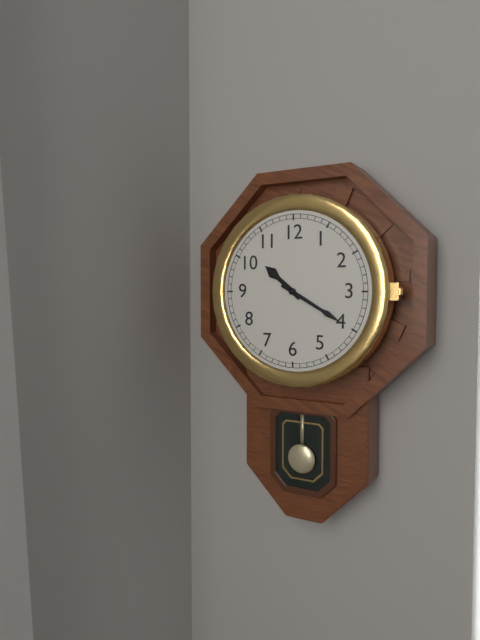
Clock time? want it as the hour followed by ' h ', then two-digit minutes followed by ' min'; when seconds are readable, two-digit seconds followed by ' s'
10 h 20 min
